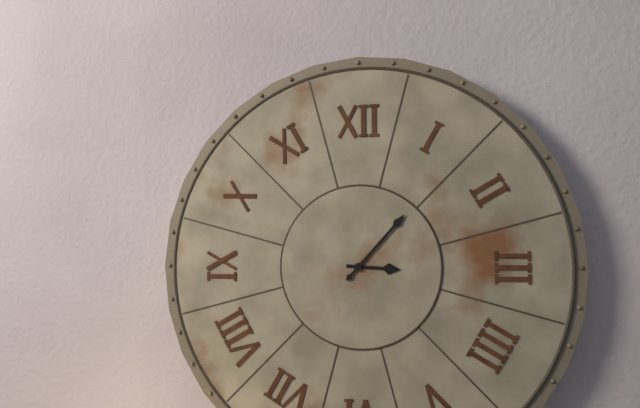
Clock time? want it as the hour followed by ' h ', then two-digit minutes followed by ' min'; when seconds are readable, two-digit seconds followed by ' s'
3 h 07 min
